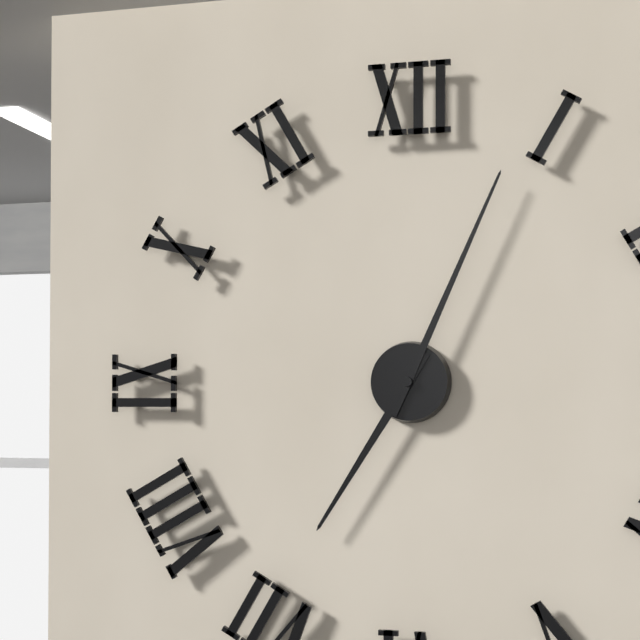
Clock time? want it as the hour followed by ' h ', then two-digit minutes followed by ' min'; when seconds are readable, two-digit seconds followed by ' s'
7 h 04 min
